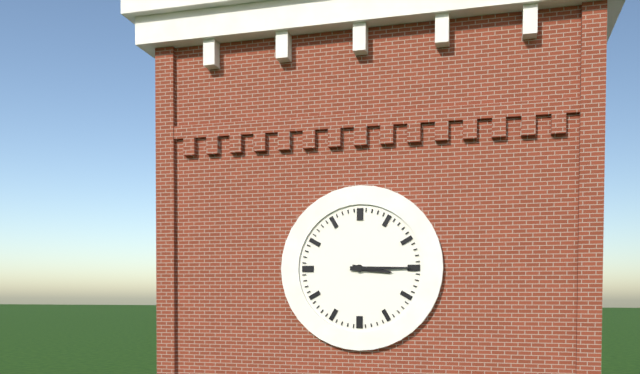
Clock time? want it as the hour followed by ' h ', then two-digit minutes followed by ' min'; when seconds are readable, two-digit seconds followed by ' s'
3 h 15 min
